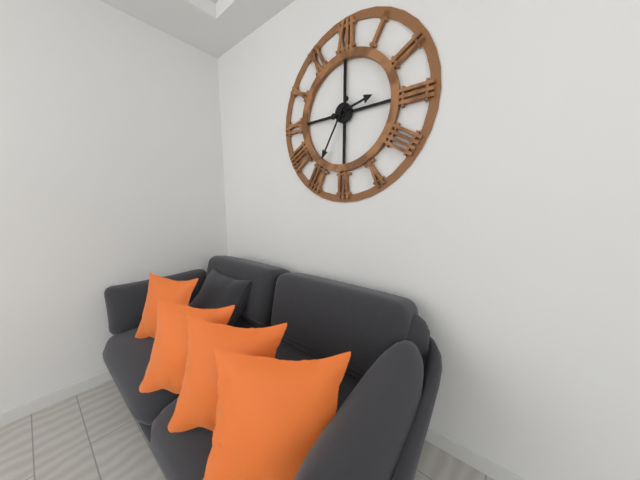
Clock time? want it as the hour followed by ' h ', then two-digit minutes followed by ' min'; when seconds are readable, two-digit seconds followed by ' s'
2 h 35 min
